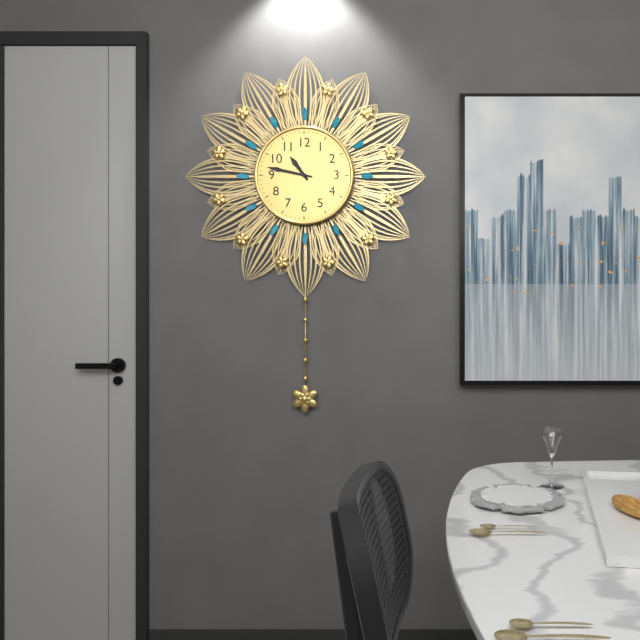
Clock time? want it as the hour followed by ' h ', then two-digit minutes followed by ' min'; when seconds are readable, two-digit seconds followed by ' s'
10 h 47 min
